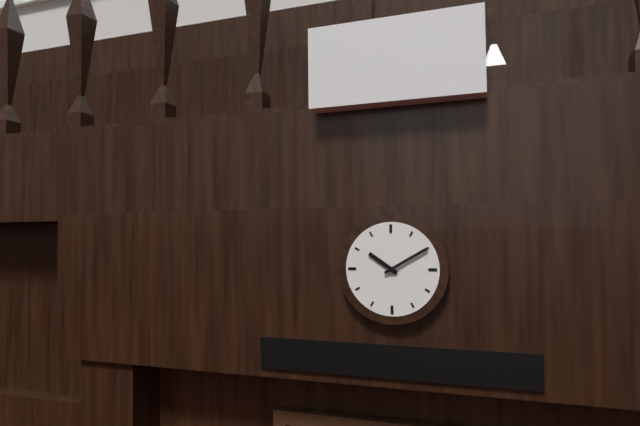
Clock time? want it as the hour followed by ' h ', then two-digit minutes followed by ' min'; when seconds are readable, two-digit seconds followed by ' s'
10 h 10 min
